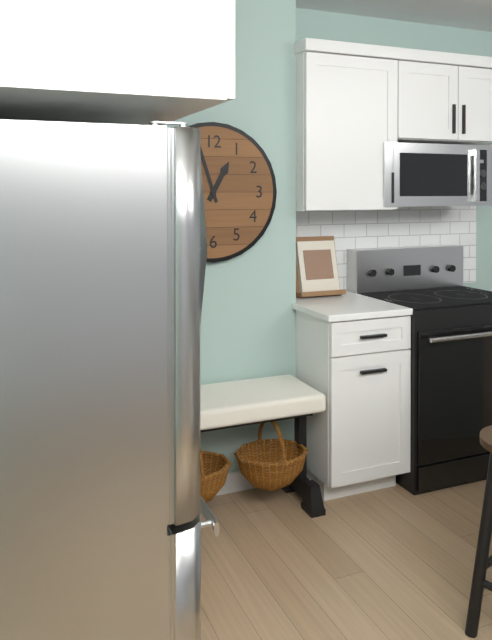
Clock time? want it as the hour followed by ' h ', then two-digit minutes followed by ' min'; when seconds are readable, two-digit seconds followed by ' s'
12 h 57 min
